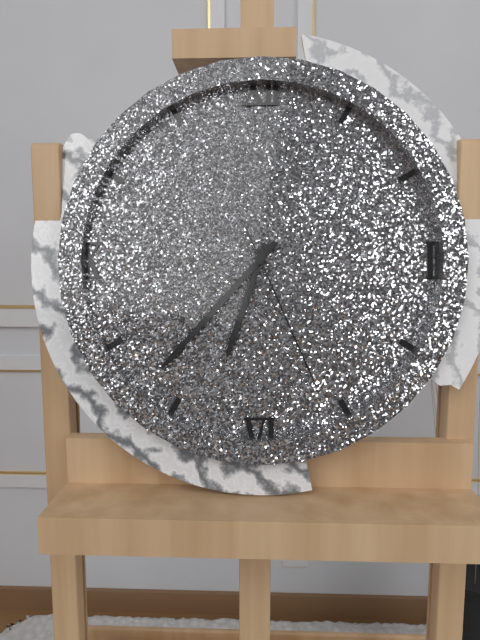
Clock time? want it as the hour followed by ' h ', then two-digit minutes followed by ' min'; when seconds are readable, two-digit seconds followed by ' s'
6 h 37 min 26 s
